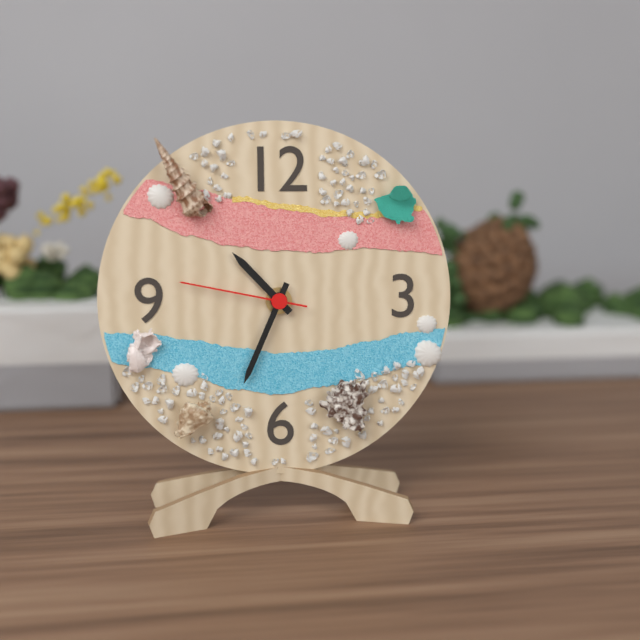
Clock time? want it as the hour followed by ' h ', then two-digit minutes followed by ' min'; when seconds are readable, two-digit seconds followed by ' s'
10 h 34 min 47 s
